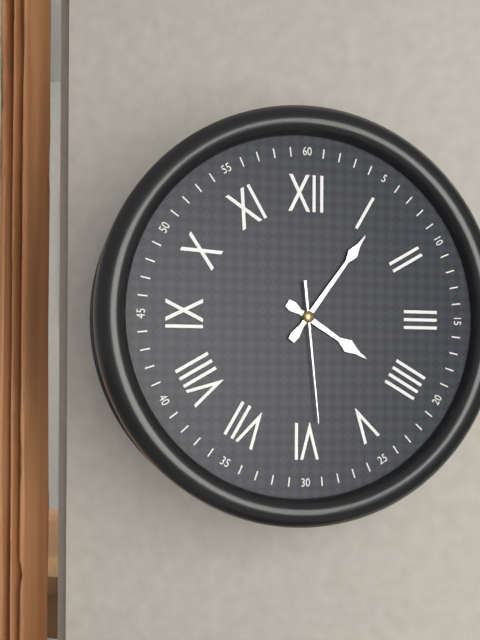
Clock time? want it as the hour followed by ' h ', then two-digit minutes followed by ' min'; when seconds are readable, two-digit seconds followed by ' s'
4 h 06 min 29 s
